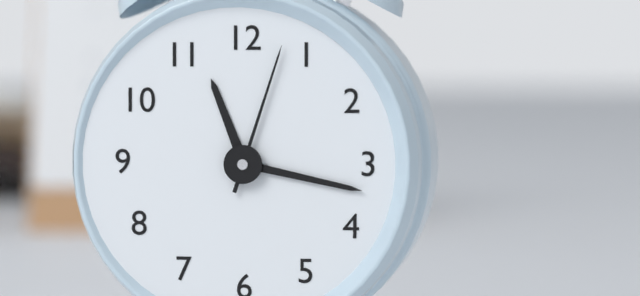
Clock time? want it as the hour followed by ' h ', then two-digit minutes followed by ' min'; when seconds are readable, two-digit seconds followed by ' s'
11 h 17 min 03 s
